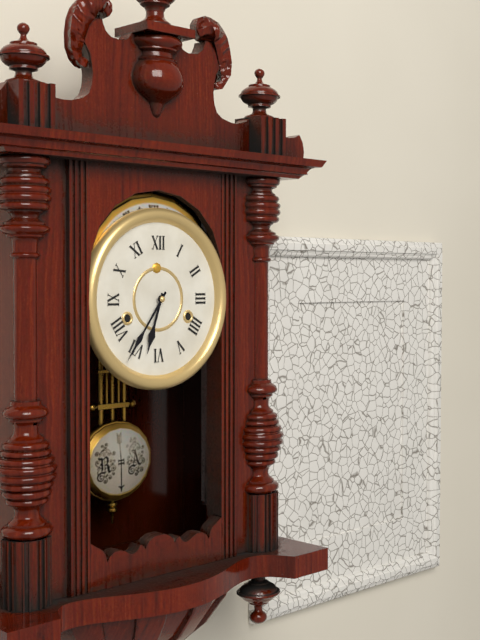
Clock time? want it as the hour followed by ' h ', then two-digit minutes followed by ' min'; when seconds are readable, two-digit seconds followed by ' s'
6 h 36 min
